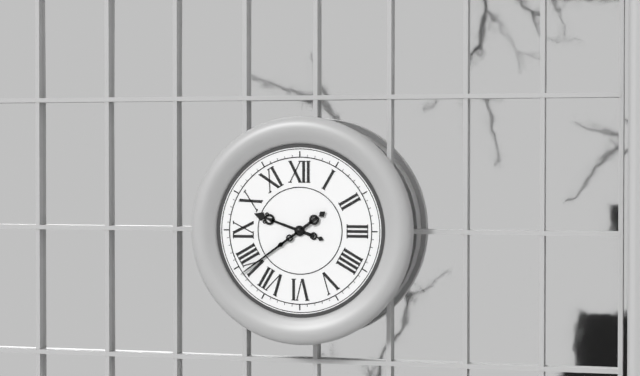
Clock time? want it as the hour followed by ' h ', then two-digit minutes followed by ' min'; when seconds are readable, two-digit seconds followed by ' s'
9 h 39 min
